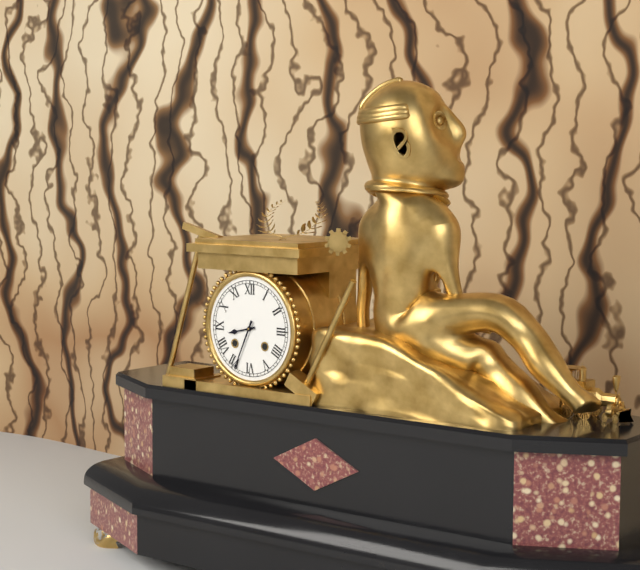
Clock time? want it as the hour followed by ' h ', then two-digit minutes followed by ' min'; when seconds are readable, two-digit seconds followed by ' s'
8 h 34 min
